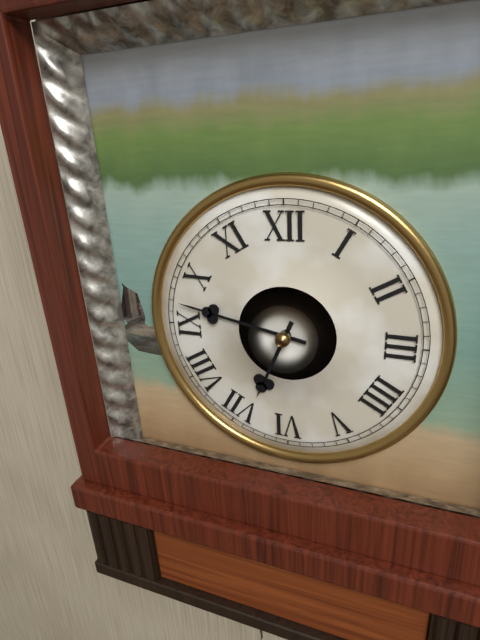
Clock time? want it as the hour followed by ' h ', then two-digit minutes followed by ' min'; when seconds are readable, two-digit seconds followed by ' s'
6 h 47 min
